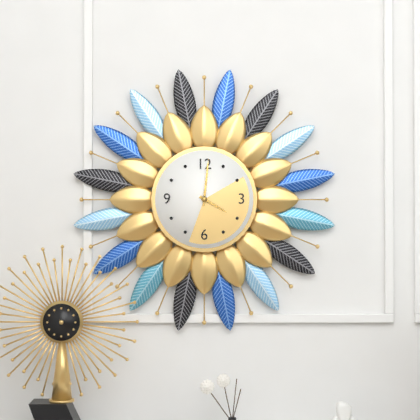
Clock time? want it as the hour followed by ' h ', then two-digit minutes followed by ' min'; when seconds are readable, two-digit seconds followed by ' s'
4 h 01 min
